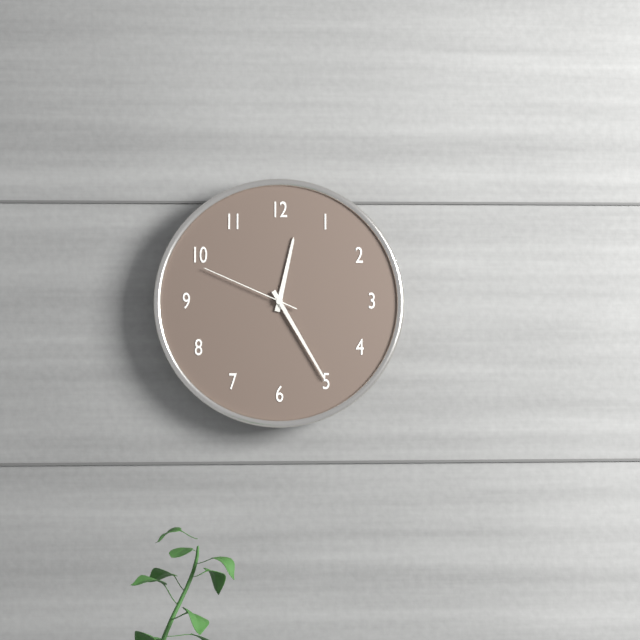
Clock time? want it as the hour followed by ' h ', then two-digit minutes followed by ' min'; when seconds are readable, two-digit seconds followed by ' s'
12 h 25 min 49 s
